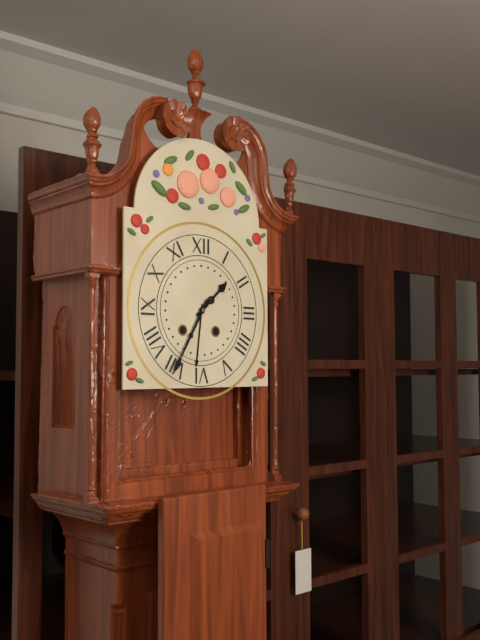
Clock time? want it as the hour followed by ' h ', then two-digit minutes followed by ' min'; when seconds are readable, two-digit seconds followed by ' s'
1 h 35 min
